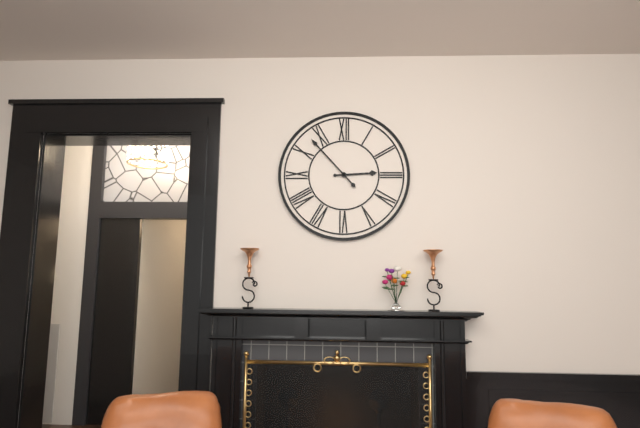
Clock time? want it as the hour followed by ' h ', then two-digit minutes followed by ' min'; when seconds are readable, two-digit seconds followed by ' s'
2 h 53 min
